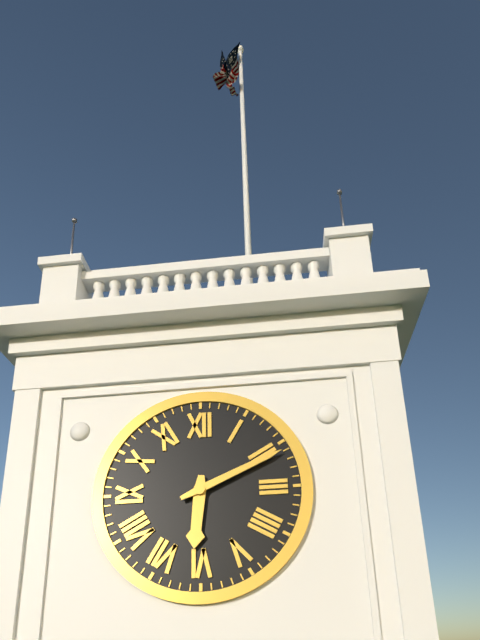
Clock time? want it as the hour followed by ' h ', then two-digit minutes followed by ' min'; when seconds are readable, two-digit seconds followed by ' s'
6 h 11 min
